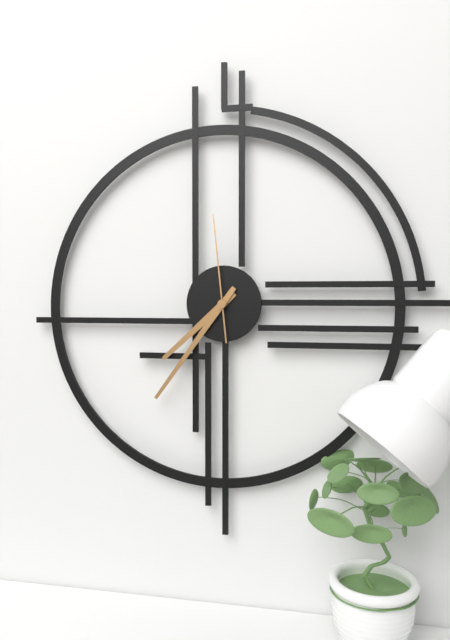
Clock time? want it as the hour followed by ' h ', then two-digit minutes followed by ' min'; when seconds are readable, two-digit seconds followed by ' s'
7 h 36 min 59 s
